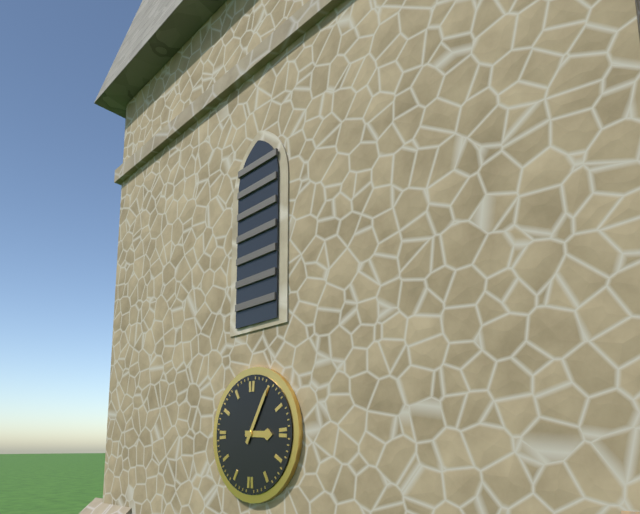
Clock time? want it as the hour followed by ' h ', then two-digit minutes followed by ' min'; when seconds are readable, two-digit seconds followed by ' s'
3 h 05 min
